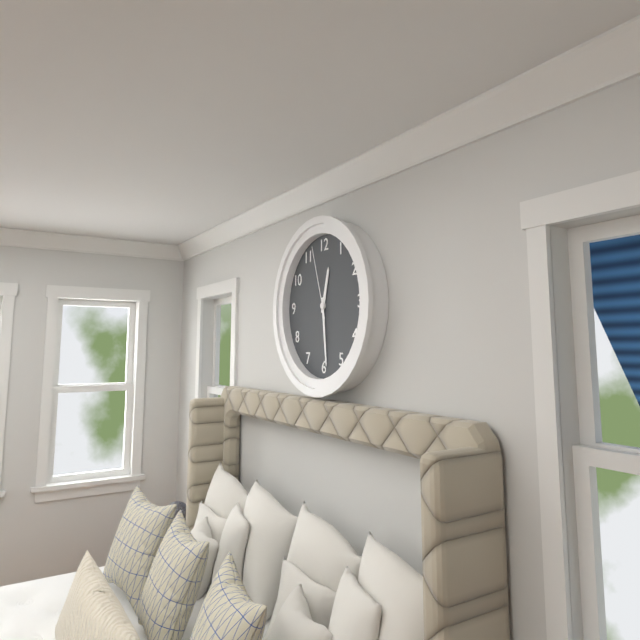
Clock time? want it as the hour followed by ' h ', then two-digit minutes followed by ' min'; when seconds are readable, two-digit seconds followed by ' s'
12 h 29 min 57 s
